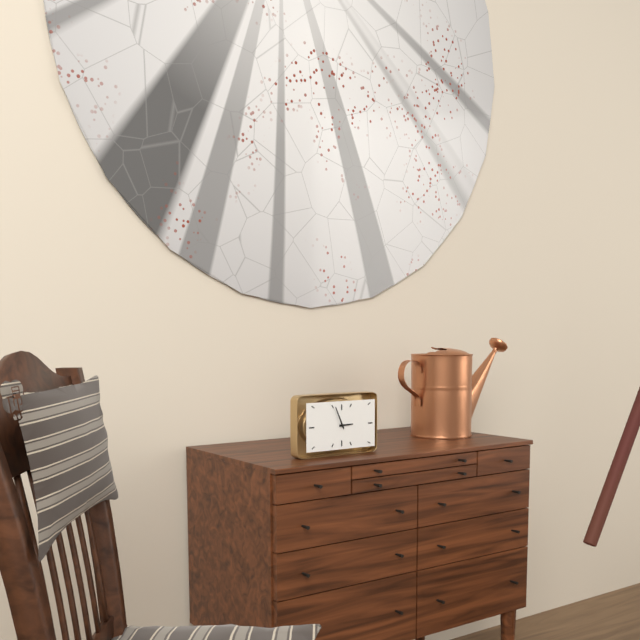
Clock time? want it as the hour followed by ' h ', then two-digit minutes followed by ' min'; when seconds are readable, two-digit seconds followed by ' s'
2 h 56 min
